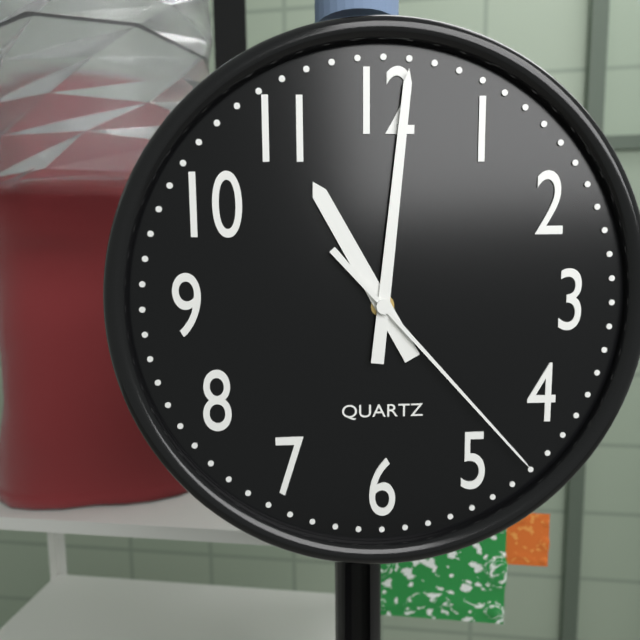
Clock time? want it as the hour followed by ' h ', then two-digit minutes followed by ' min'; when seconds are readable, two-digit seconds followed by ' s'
11 h 01 min 23 s
